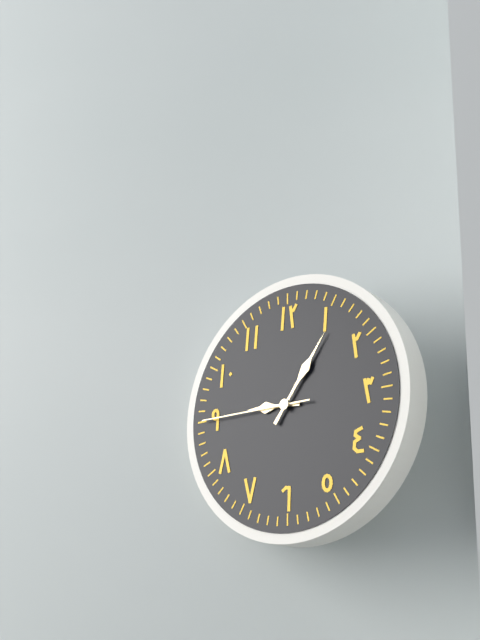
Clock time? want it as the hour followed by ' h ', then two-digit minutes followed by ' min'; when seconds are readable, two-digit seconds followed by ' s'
9 h 06 min 45 s
